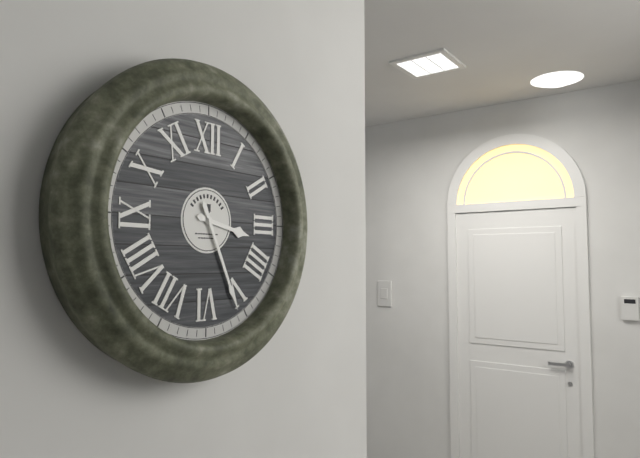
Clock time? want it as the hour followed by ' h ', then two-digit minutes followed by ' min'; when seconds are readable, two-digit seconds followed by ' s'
3 h 26 min
